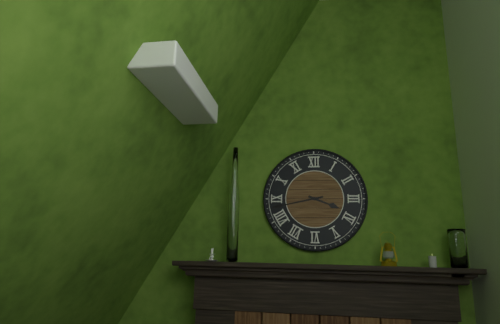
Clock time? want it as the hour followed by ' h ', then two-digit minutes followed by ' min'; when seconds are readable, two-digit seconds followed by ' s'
3 h 43 min
